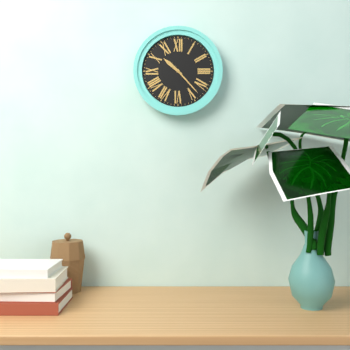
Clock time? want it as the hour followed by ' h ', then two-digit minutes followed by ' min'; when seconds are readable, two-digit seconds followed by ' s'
10 h 23 min
